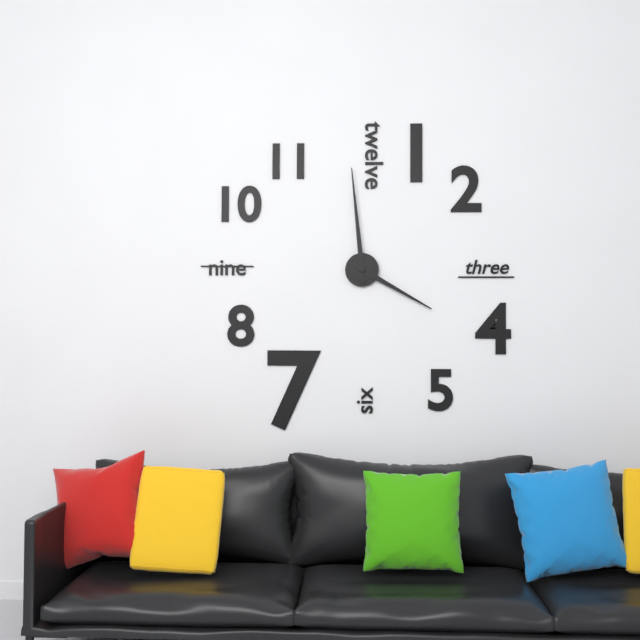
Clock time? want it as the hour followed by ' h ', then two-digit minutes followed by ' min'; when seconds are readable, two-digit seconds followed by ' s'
3 h 59 min
